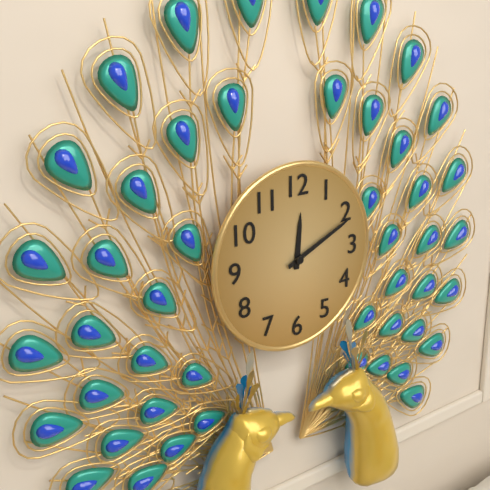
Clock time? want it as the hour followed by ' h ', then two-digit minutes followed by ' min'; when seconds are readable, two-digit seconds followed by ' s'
12 h 11 min
